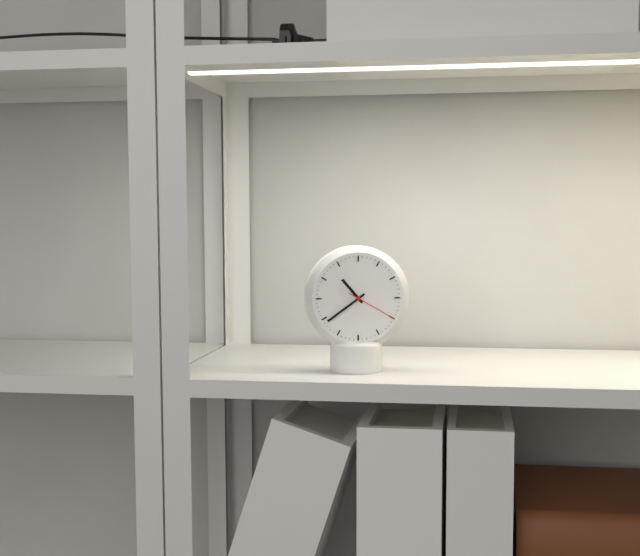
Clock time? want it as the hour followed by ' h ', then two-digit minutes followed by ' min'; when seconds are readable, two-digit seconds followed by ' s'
10 h 39 min
